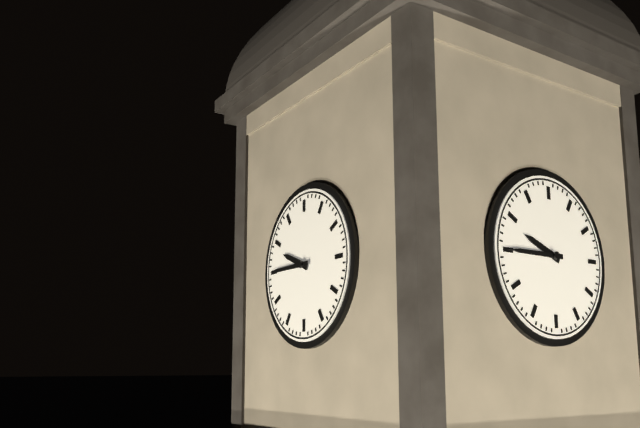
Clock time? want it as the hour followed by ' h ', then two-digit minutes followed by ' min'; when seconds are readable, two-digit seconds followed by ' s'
9 h 45 min
